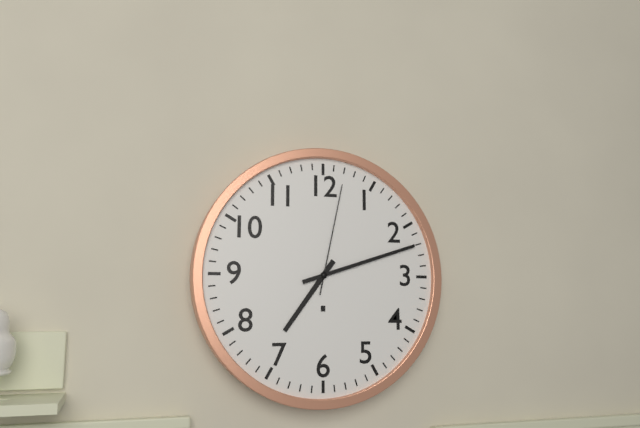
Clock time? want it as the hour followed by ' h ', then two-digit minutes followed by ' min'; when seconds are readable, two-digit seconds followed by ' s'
7 h 12 min 02 s
